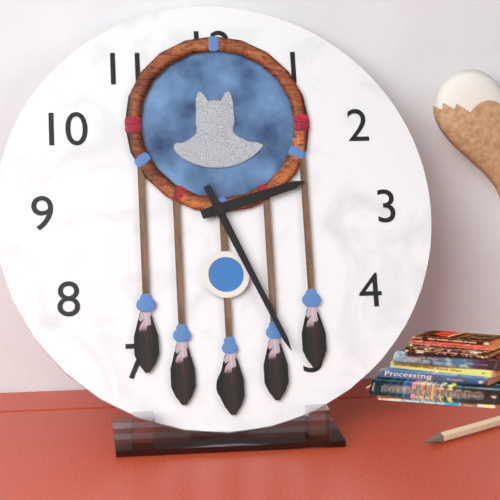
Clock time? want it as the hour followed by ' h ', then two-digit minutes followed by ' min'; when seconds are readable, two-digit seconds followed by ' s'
2 h 26 min
